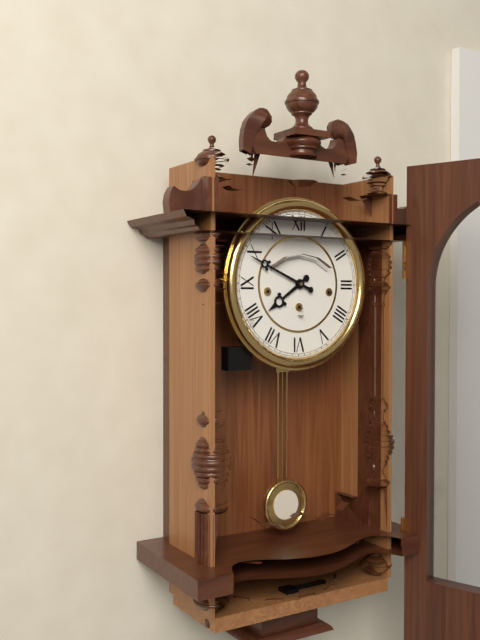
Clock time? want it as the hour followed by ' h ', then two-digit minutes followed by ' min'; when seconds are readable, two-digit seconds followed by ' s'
7 h 49 min
